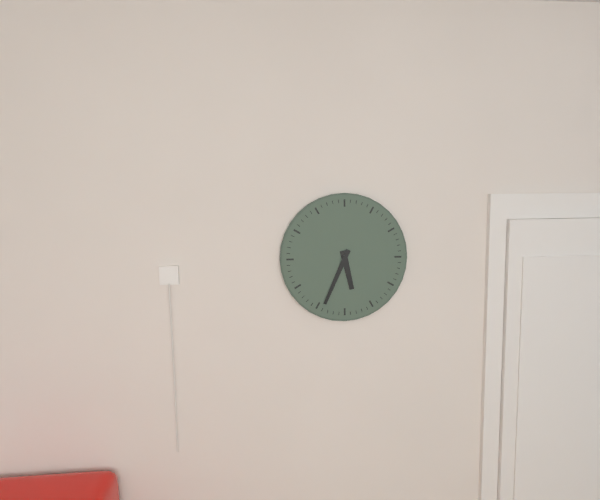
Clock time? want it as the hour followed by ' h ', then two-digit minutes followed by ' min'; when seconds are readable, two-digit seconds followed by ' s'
5 h 34 min
